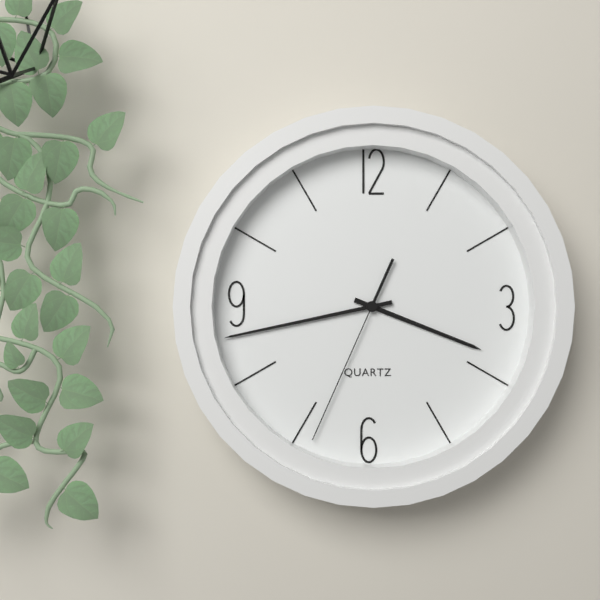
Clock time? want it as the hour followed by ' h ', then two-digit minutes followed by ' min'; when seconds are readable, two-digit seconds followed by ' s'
3 h 43 min 34 s
